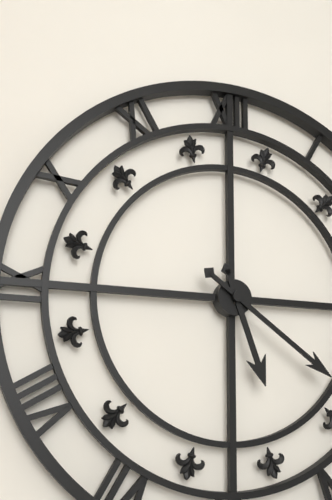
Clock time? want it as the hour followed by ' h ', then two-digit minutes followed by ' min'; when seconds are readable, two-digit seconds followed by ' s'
5 h 21 min
